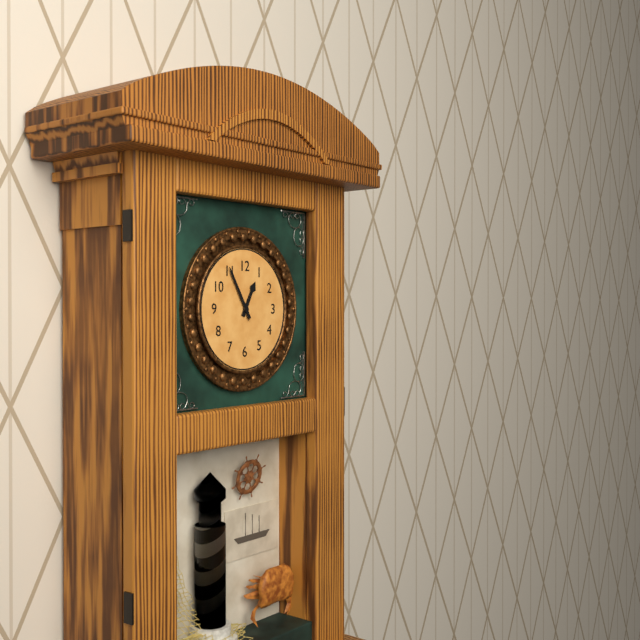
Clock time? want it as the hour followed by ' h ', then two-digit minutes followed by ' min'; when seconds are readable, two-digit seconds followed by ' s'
12 h 55 min
